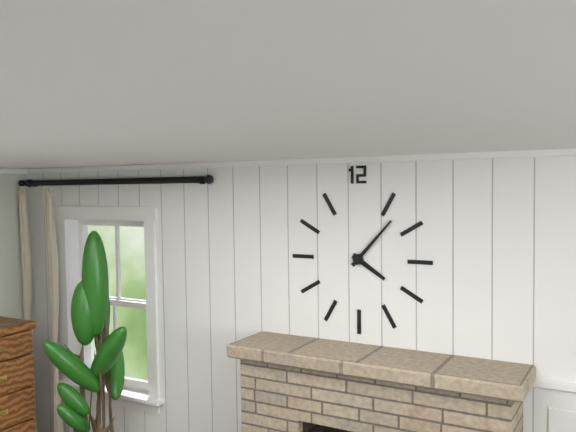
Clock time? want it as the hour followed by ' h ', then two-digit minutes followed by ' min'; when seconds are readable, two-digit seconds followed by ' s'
4 h 07 min
